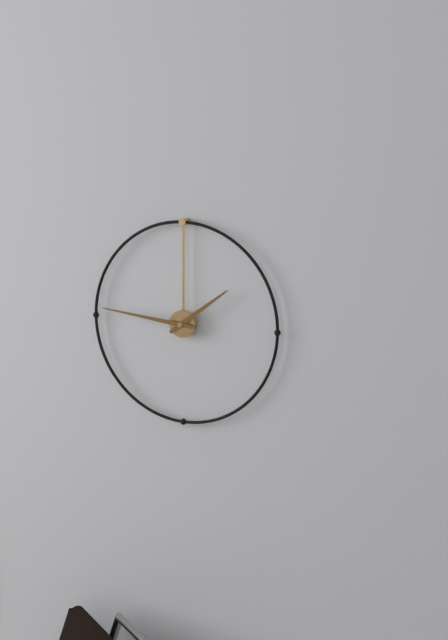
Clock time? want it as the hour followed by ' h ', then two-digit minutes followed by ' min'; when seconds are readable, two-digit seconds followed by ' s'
1 h 46 min
